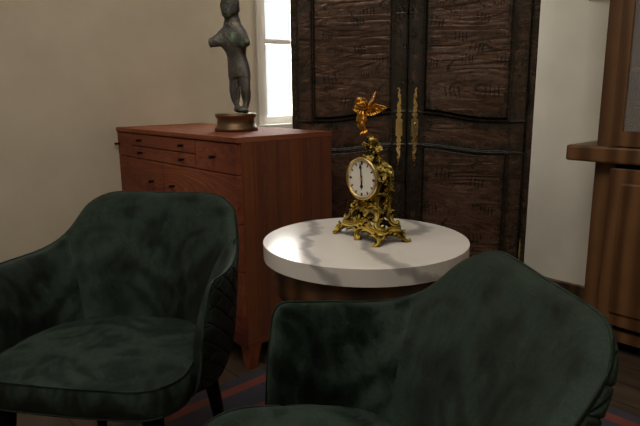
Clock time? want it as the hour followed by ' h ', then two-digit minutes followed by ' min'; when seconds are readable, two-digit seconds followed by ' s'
5 h 59 min
